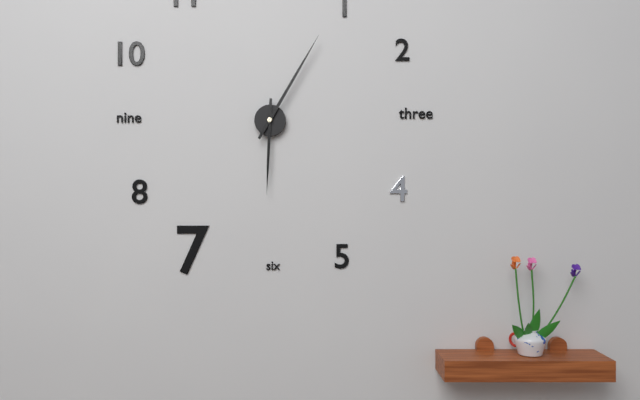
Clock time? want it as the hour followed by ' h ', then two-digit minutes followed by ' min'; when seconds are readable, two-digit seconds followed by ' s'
6 h 05 min
